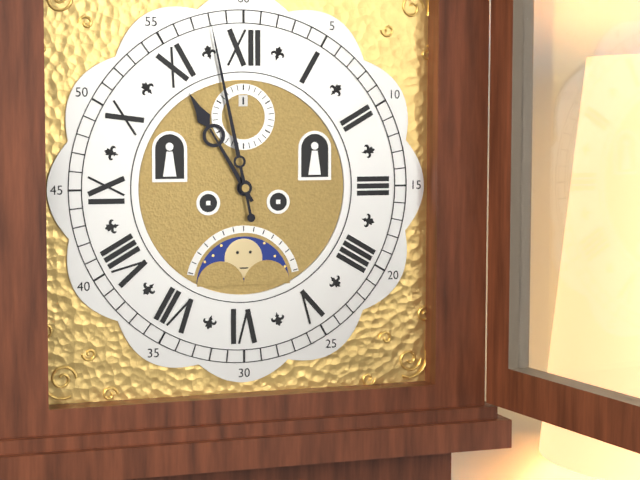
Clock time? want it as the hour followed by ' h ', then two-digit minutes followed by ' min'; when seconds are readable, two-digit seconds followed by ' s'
10 h 58 min
